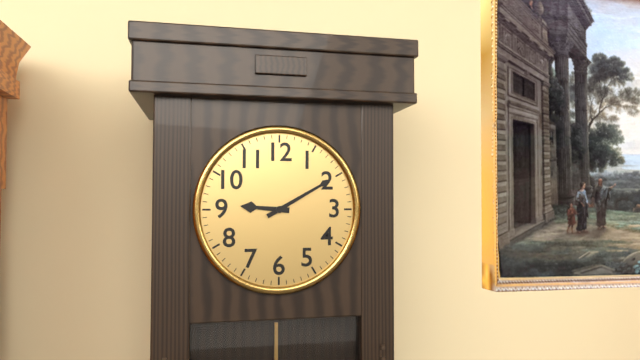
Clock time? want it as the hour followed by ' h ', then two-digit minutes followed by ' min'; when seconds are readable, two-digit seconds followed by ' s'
9 h 10 min
